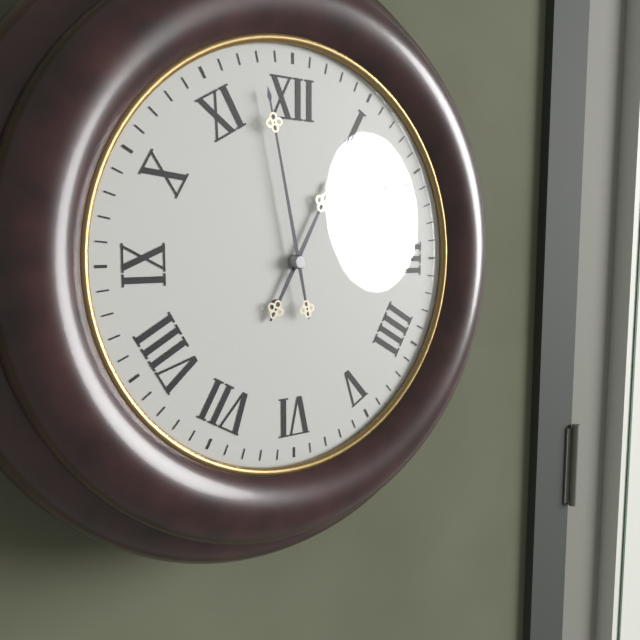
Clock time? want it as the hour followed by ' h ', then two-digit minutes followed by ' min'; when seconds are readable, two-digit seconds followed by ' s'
12 h 58 min
